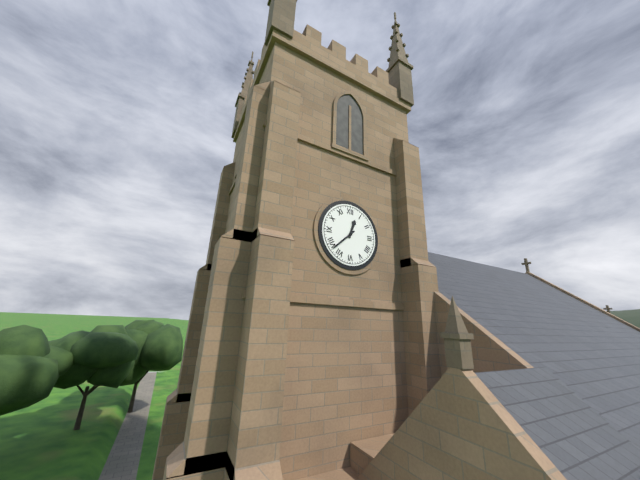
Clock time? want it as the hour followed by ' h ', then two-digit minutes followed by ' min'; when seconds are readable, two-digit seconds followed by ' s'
12 h 38 min
